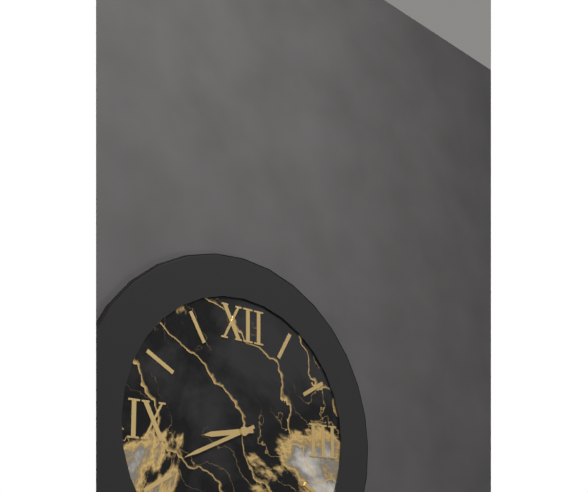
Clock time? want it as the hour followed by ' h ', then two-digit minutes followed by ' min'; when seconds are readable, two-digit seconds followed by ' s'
8 h 41 min
